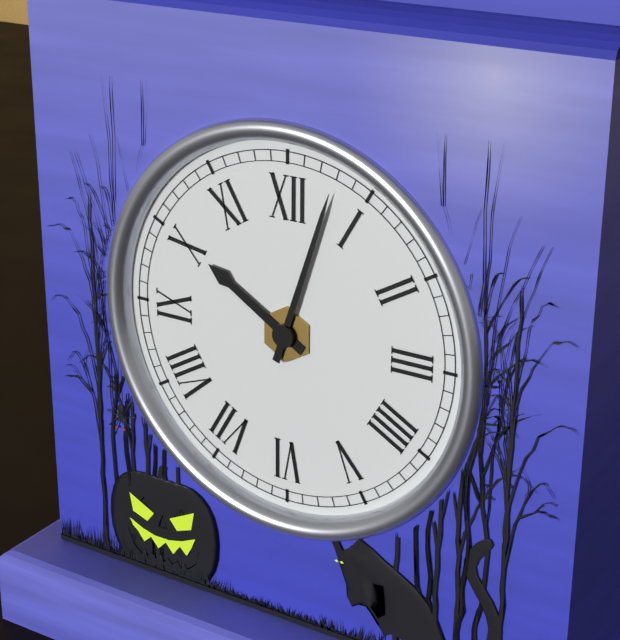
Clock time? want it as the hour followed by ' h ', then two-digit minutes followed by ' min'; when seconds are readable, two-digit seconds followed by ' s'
10 h 03 min
